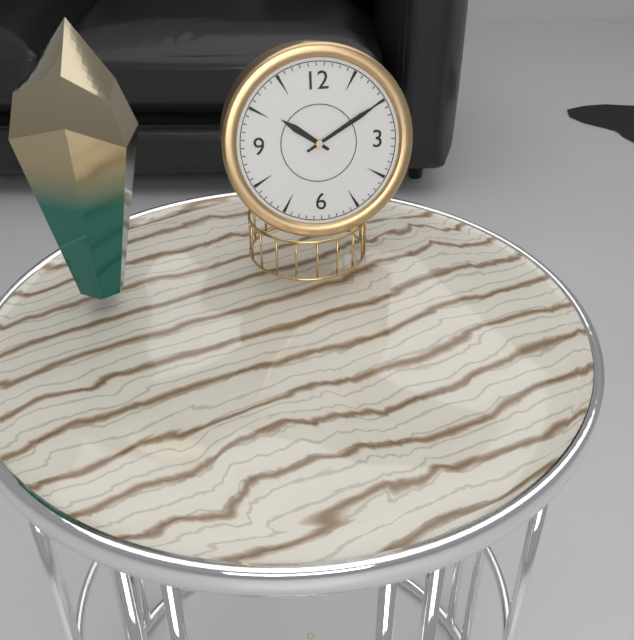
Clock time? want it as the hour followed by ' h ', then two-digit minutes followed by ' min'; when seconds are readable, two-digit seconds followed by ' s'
10 h 10 min
